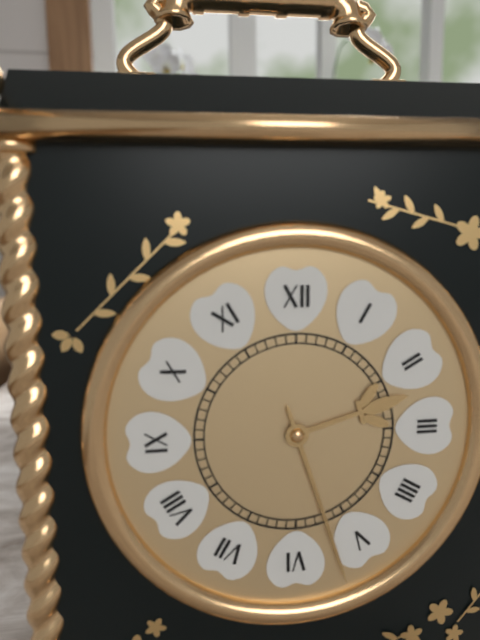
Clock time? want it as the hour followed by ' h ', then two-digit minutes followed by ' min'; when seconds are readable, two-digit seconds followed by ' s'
2 h 27 min
